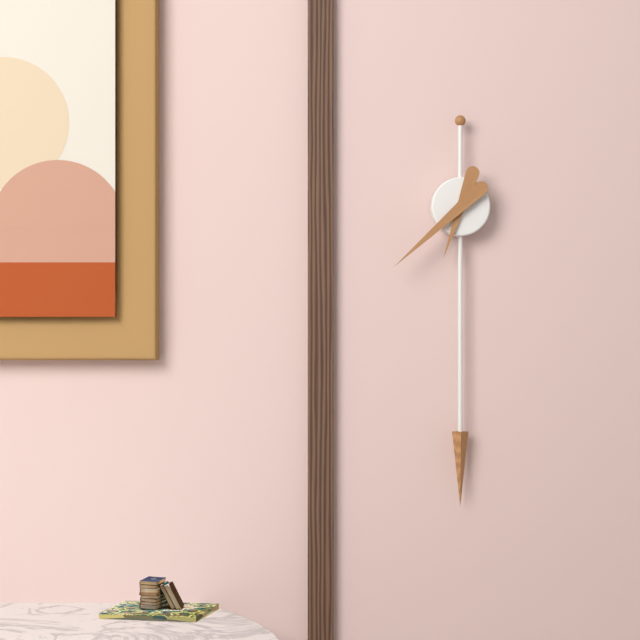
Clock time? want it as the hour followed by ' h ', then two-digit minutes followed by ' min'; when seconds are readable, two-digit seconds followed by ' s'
6 h 38 min
